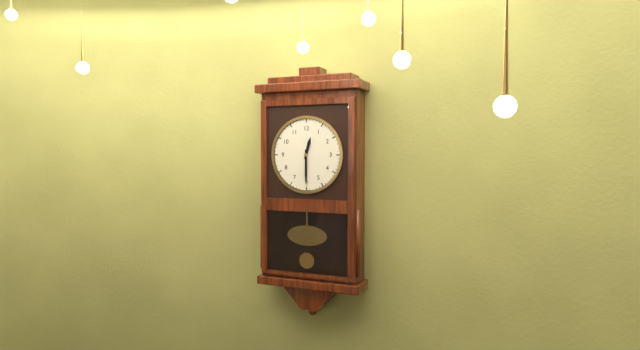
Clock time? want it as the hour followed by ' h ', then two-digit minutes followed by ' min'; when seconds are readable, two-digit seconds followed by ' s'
12 h 30 min
